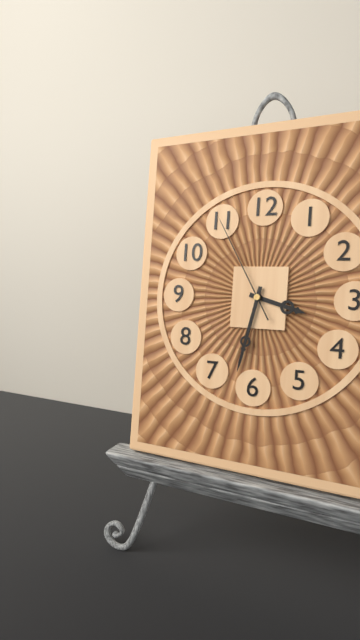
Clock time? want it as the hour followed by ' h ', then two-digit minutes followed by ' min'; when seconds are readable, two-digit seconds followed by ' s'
3 h 32 min 55 s
